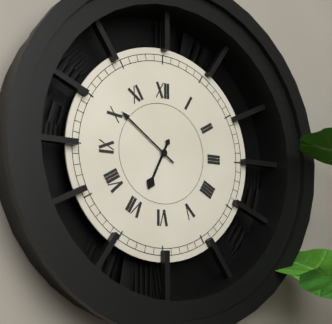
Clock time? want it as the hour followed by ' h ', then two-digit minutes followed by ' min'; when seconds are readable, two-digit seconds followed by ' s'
6 h 51 min
